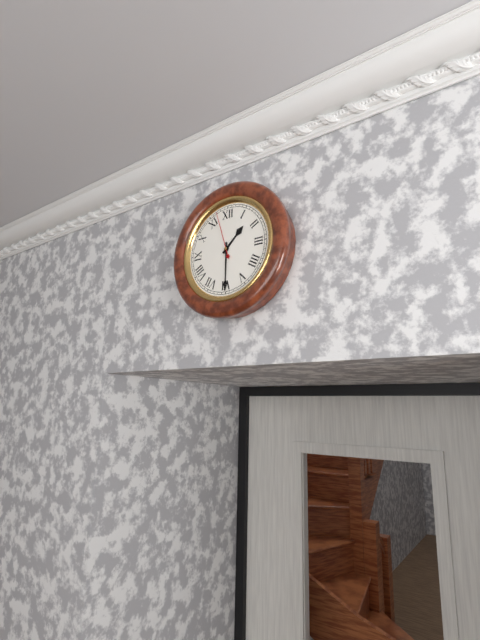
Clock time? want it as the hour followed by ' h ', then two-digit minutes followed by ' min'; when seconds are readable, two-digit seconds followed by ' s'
1 h 30 min
